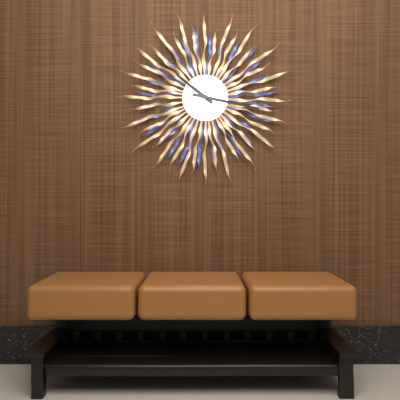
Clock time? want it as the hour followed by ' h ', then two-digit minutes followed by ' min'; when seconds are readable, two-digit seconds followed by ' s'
10 h 17 min
